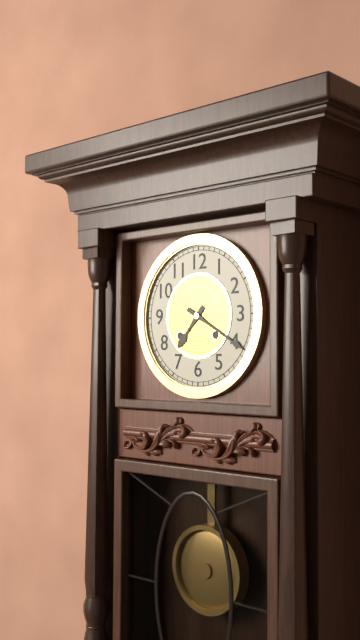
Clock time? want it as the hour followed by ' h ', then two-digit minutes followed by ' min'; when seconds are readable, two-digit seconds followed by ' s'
7 h 20 min
